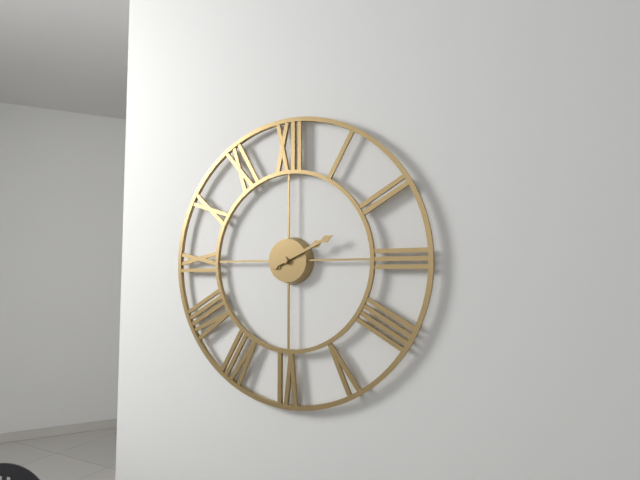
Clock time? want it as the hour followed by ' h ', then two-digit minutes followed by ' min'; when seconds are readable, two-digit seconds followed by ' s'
2 h 11 min
